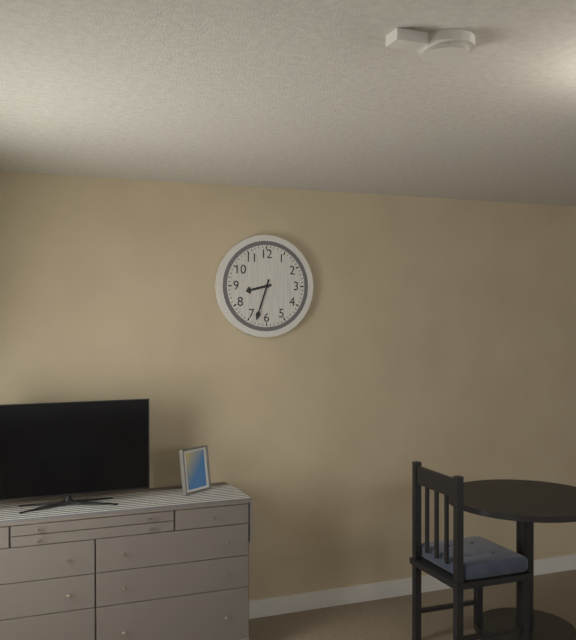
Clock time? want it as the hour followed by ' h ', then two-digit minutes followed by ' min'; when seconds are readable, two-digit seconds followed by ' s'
8 h 33 min
